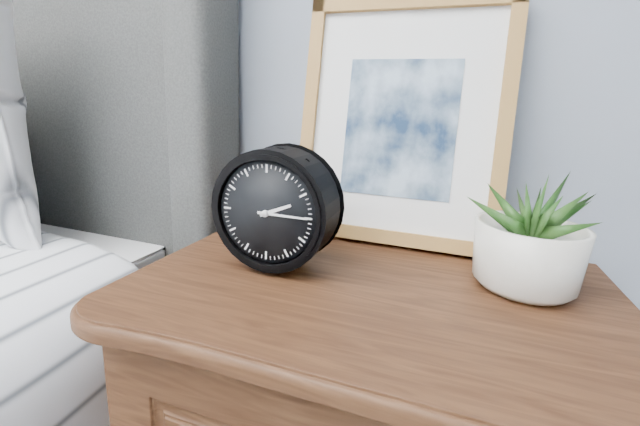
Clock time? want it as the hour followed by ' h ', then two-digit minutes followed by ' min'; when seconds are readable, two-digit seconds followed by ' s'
2 h 15 min
